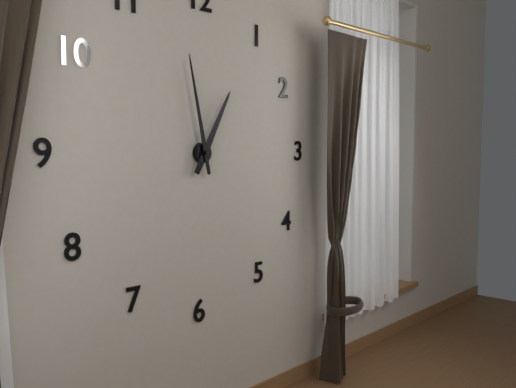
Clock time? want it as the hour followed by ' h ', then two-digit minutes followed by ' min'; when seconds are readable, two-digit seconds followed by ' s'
12 h 58 min
